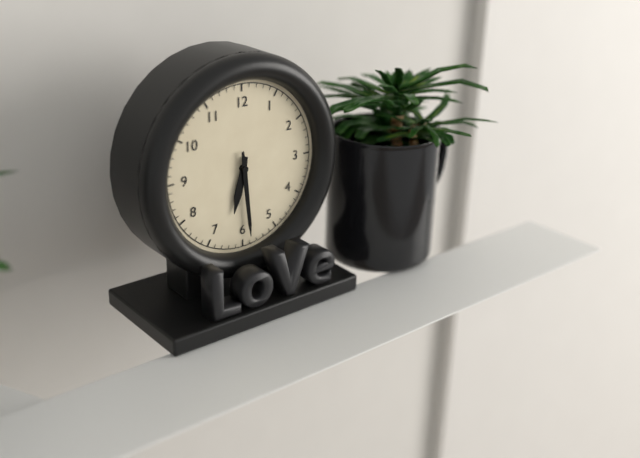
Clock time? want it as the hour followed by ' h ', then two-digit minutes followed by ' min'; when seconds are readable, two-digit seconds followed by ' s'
6 h 29 min
